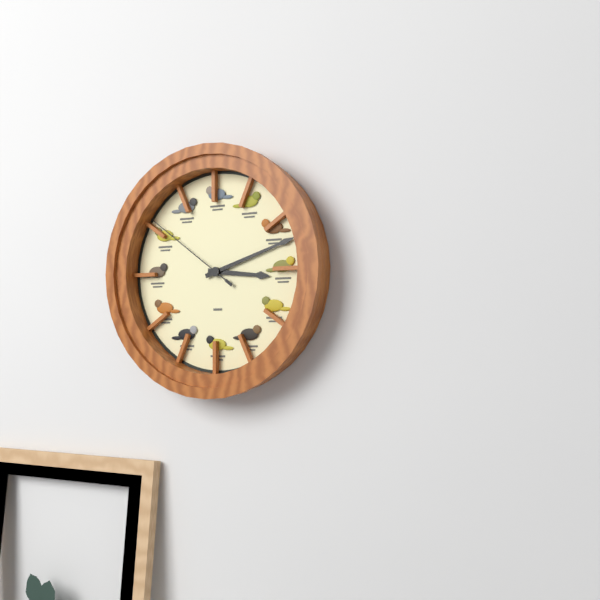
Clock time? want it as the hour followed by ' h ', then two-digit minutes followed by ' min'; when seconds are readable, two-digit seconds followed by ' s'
3 h 12 min 51 s
